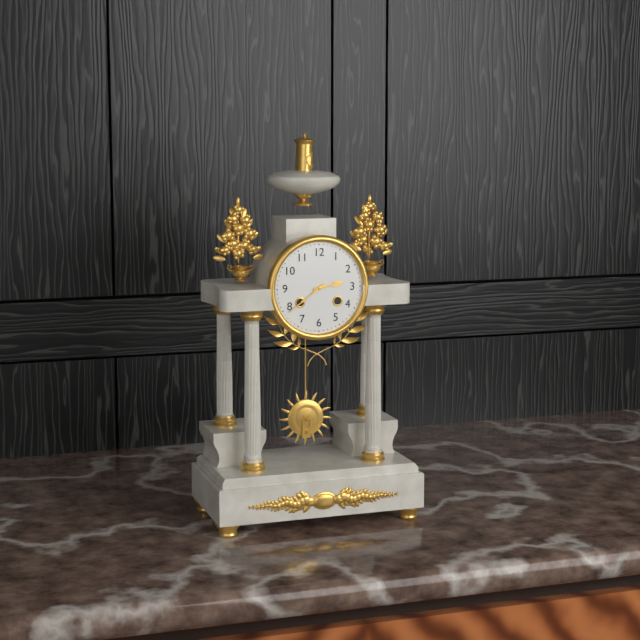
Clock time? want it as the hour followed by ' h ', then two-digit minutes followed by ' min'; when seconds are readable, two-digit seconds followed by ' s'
2 h 39 min
